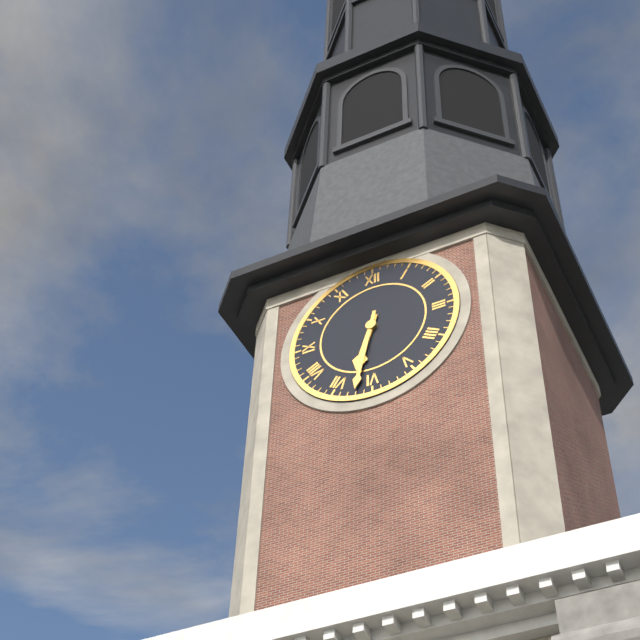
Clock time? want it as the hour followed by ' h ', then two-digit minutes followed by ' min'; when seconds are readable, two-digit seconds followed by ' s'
6 h 32 min
